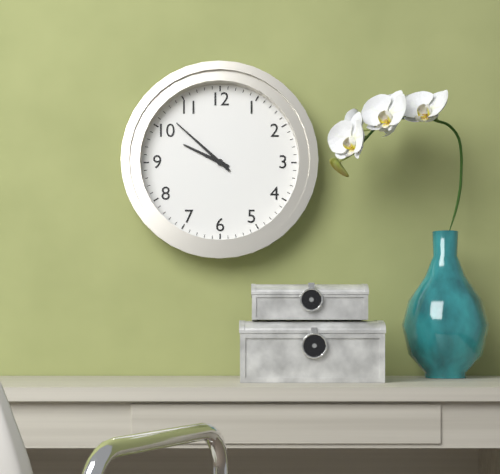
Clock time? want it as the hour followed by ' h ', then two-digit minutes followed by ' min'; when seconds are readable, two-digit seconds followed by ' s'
9 h 52 min
